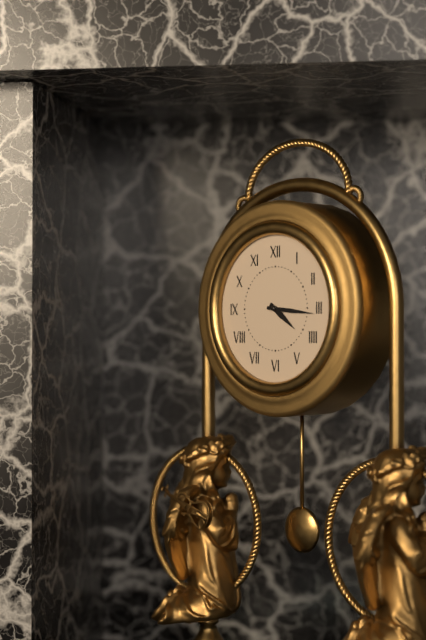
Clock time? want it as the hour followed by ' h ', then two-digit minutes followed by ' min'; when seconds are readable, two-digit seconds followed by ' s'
4 h 16 min
